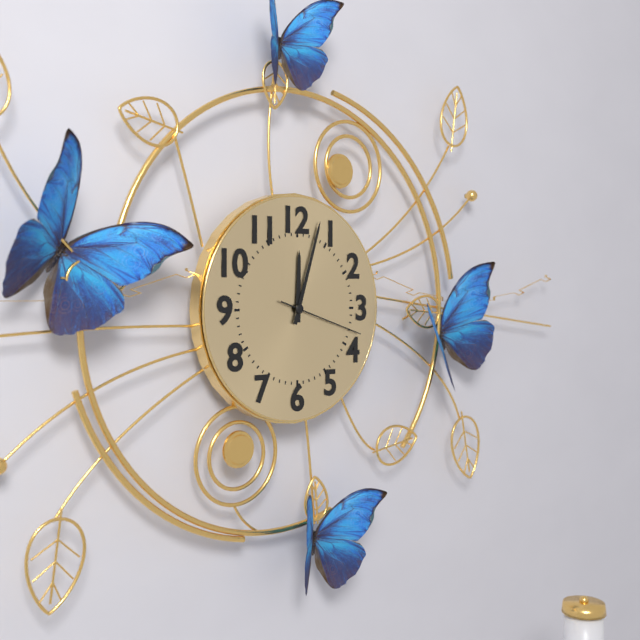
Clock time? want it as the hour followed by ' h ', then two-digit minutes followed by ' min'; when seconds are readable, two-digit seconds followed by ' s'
12 h 03 min 18 s
